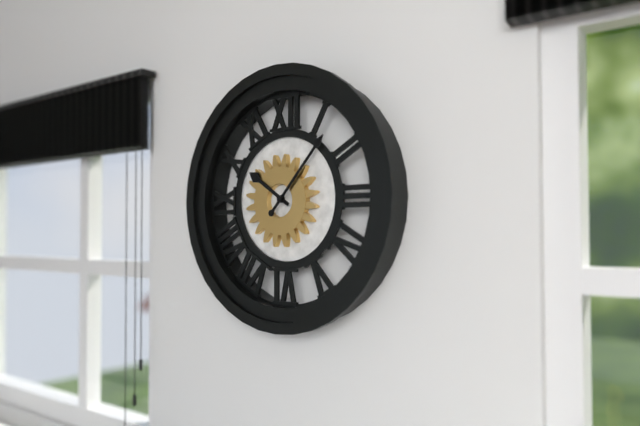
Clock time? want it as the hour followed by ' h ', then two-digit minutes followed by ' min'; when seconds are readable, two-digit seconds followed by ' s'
10 h 07 min
